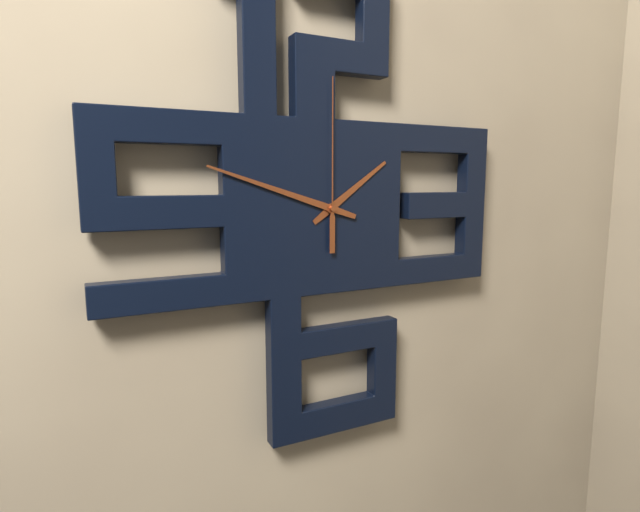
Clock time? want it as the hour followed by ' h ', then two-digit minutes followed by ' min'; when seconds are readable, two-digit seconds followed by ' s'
1 h 48 min 00 s
